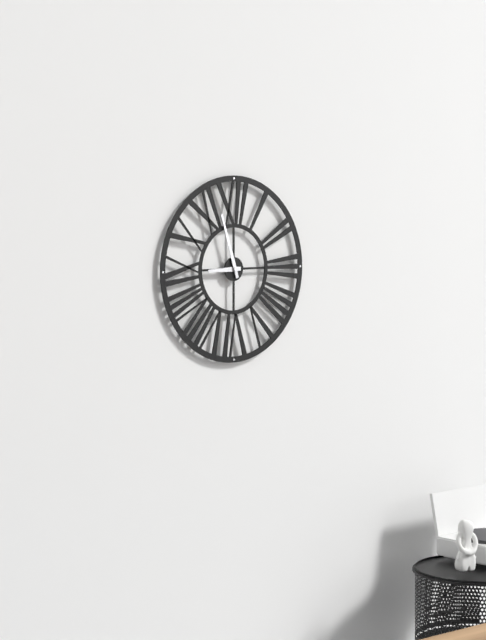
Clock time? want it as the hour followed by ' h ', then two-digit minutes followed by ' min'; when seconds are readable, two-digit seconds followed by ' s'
8 h 57 min
